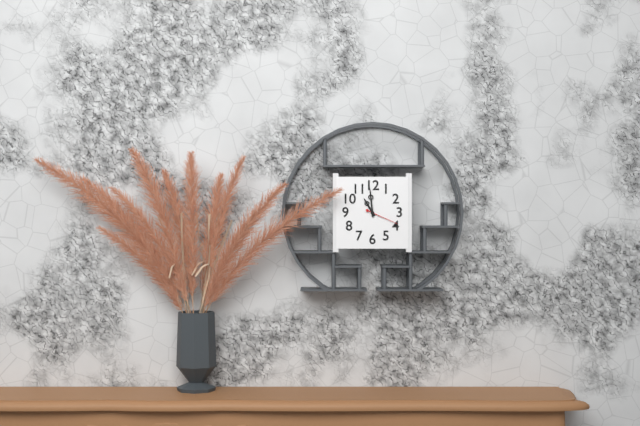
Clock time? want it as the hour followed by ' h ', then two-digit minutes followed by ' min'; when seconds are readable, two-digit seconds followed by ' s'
10 h 59 min
